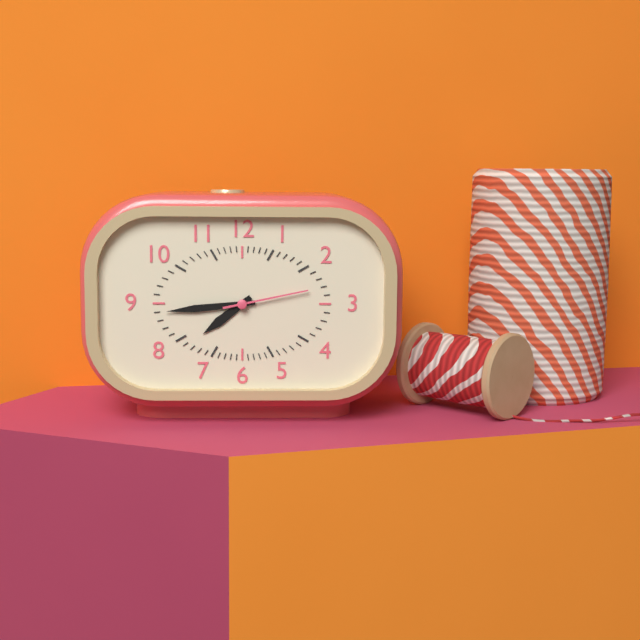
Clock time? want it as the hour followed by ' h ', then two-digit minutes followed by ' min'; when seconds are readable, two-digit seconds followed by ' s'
7 h 44 min 13 s
